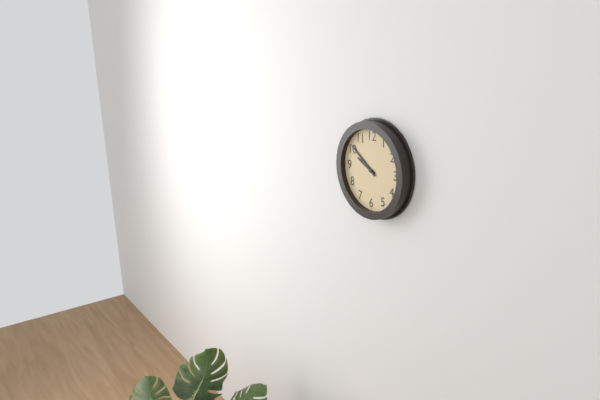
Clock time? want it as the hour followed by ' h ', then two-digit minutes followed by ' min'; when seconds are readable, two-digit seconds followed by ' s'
9 h 51 min
